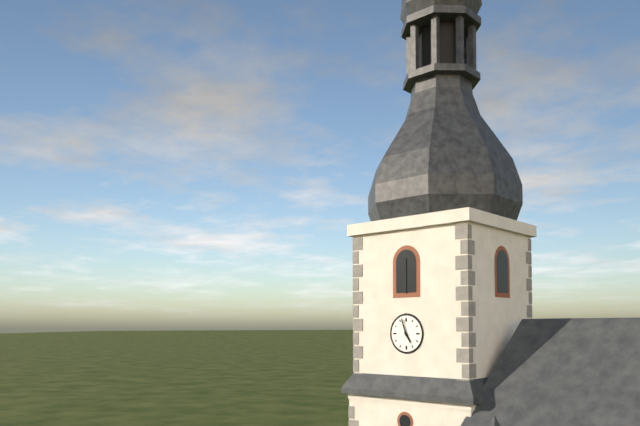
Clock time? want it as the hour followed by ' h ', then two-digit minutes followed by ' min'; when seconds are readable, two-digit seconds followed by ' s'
4 h 57 min
